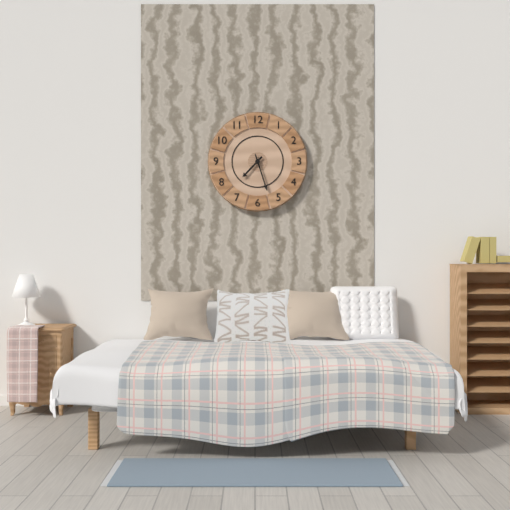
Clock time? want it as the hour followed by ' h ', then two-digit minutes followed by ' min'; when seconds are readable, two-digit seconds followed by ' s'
7 h 27 min
